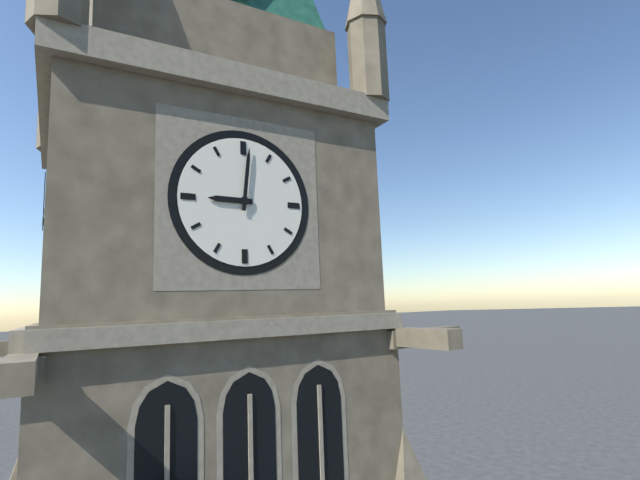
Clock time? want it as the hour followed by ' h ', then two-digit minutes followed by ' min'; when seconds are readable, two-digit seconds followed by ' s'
9 h 01 min
